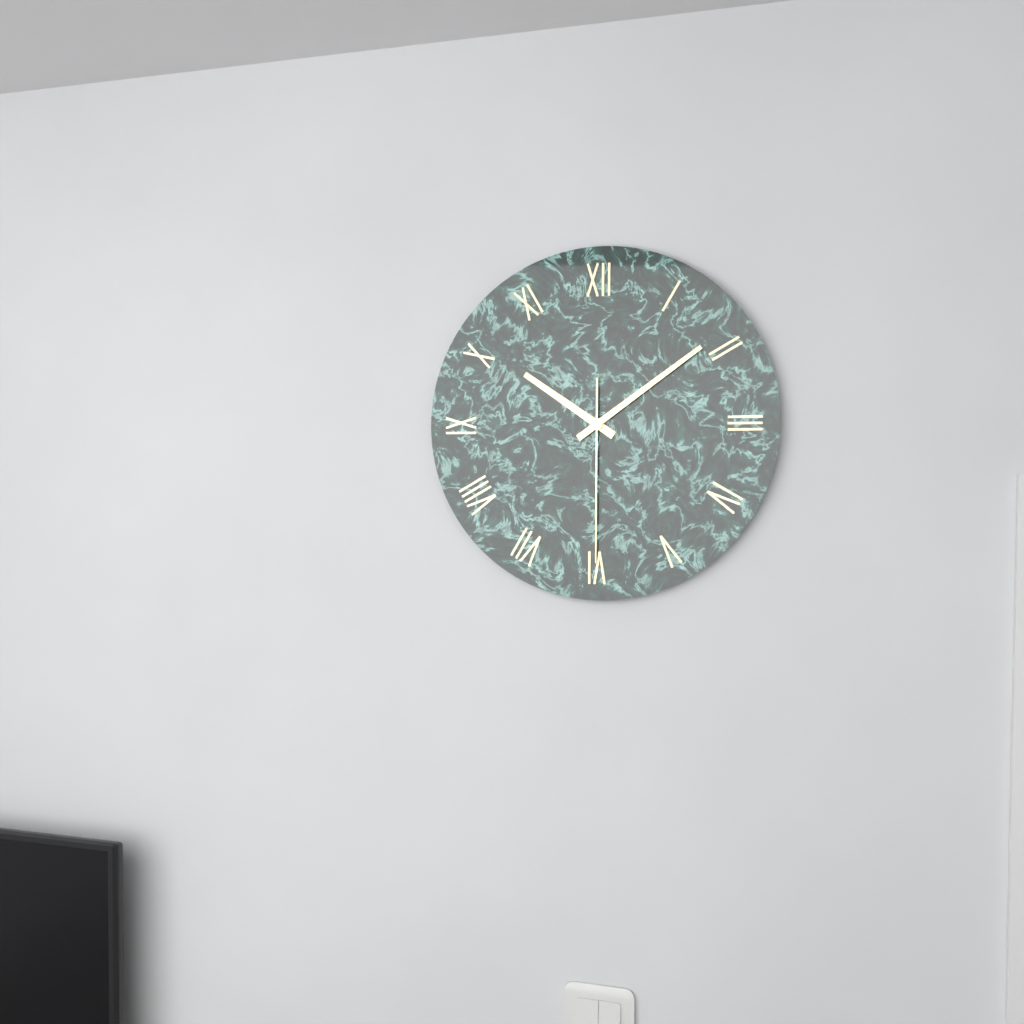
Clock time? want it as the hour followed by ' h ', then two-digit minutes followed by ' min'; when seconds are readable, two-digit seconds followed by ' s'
10 h 09 min 30 s
